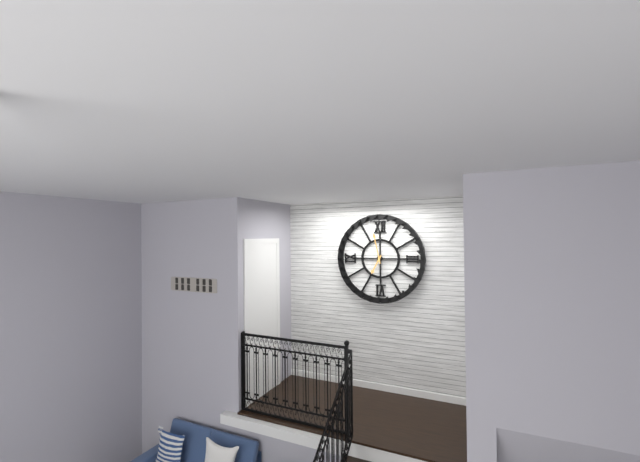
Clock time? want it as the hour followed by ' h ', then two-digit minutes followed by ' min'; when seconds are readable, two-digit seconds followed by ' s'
6 h 58 min
